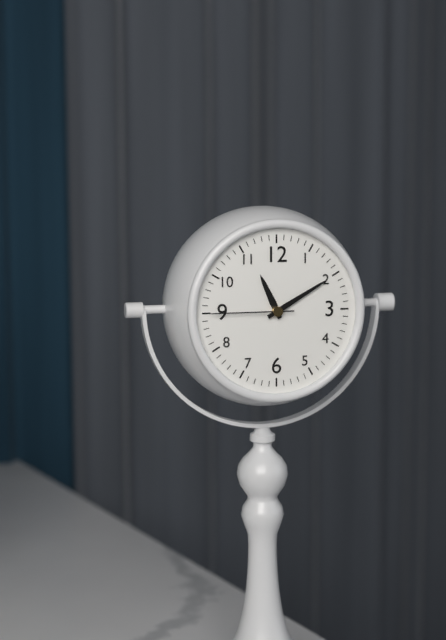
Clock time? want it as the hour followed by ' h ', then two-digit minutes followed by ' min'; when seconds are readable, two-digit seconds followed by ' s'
11 h 10 min 45 s
